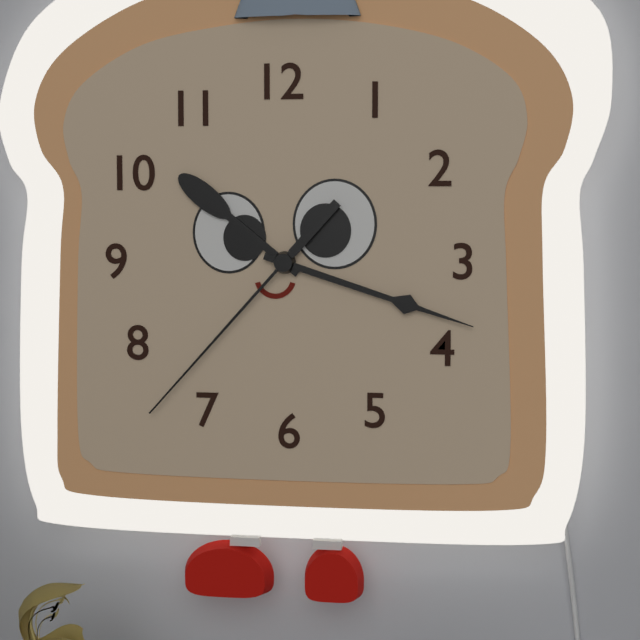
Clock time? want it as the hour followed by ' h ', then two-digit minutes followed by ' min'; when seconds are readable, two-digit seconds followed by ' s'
10 h 18 min 37 s
